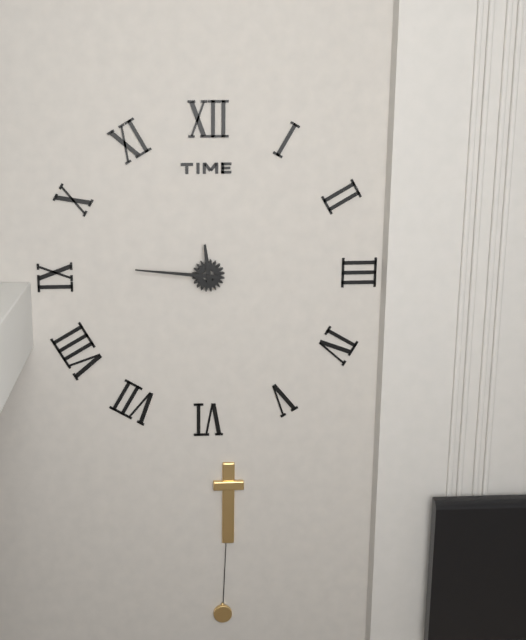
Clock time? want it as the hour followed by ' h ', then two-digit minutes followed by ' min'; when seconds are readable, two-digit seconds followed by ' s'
11 h 46 min
